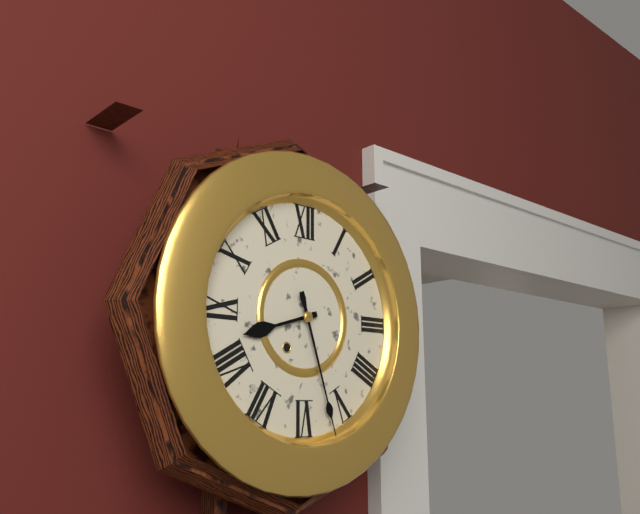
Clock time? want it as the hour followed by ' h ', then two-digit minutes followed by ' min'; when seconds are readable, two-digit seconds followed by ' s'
8 h 27 min
